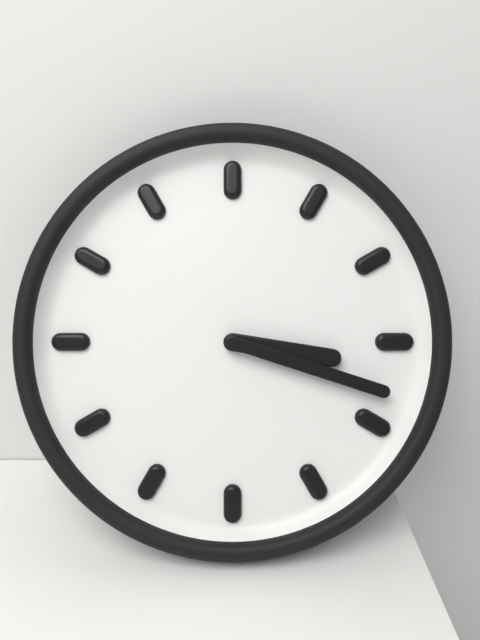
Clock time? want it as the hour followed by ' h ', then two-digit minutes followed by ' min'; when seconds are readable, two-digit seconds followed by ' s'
3 h 18 min
